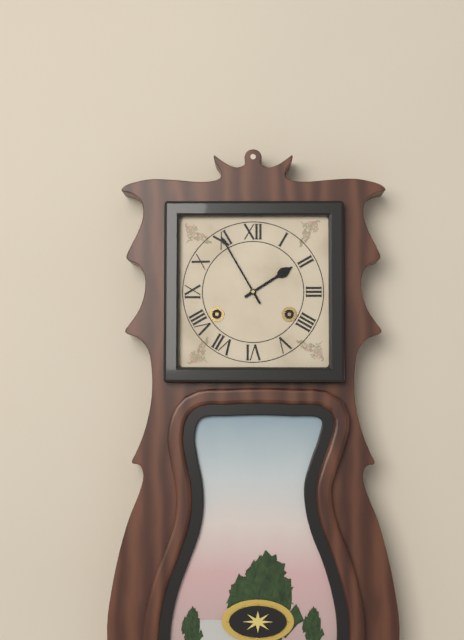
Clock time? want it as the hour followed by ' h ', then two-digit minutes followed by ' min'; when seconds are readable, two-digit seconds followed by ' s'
1 h 55 min
